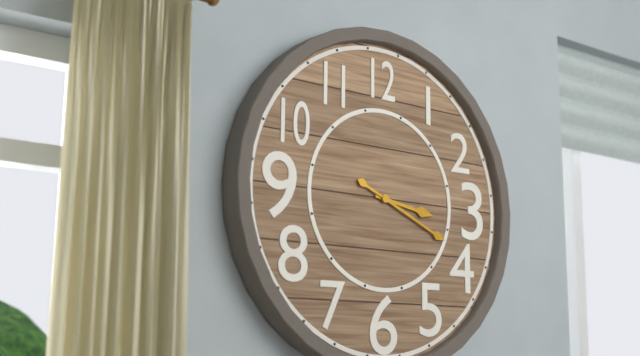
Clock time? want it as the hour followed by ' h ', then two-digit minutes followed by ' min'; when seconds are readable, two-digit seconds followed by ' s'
3 h 19 min
